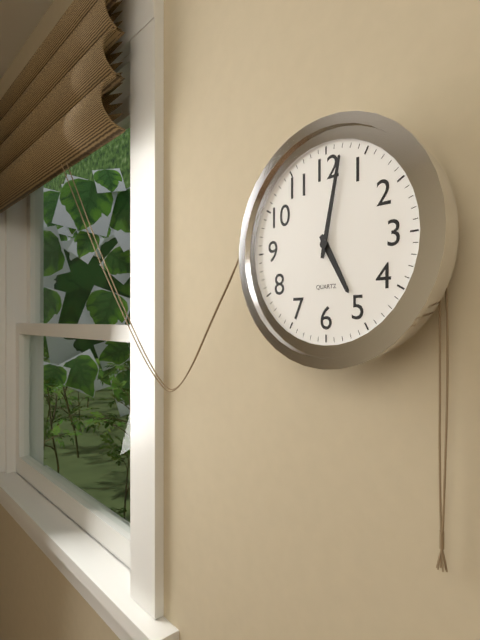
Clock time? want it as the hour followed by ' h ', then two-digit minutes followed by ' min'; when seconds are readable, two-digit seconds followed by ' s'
5 h 02 min
